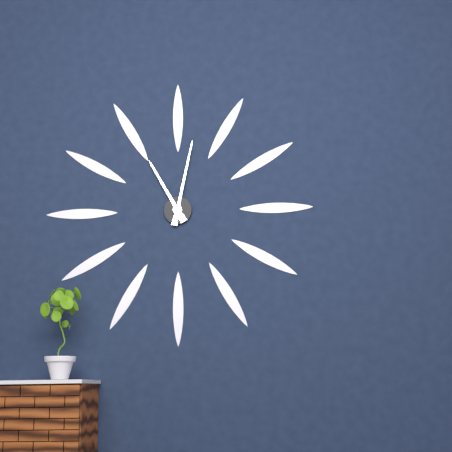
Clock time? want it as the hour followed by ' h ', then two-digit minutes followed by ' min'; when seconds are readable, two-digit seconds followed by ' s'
11 h 02 min
